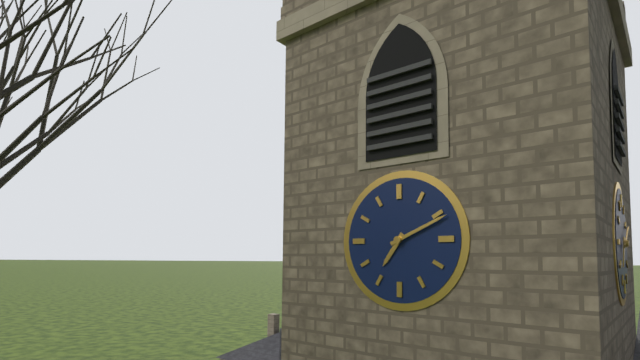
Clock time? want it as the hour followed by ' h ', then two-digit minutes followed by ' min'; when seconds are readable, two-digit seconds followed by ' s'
7 h 11 min
